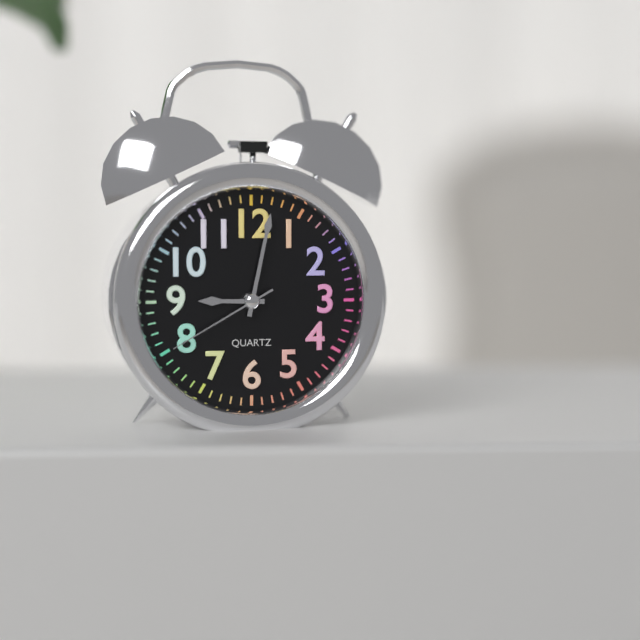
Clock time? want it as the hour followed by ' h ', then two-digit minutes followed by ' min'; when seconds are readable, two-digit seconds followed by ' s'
9 h 02 min 40 s
